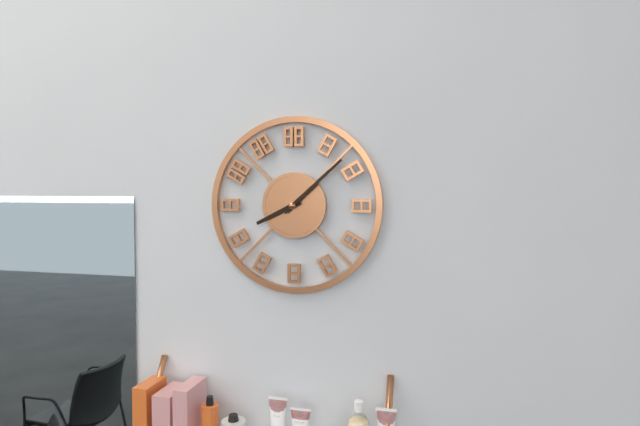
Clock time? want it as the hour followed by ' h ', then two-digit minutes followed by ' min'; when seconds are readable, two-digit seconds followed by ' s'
8 h 08 min
